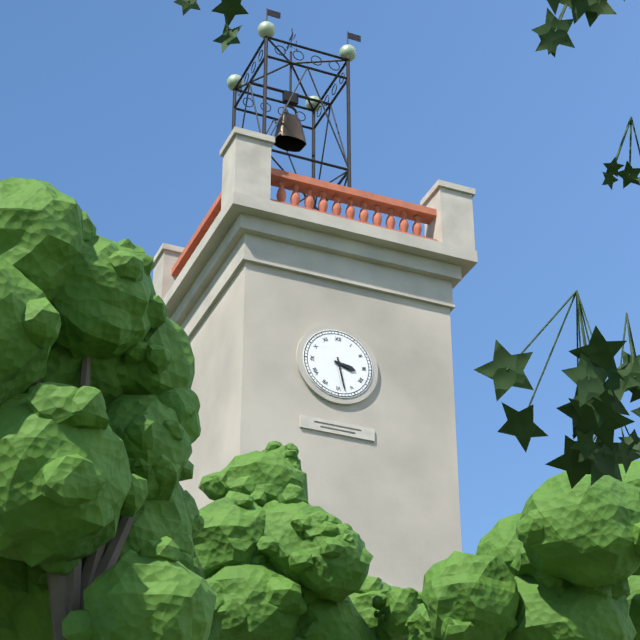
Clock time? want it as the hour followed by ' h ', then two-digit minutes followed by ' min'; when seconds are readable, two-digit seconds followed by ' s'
3 h 28 min
